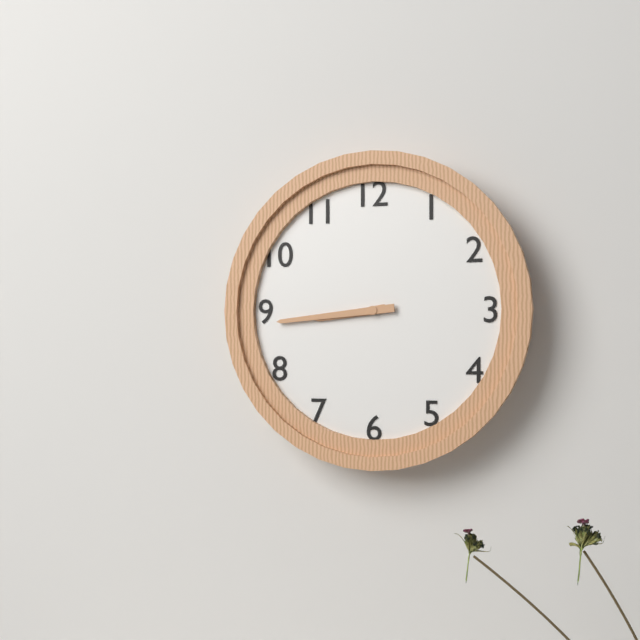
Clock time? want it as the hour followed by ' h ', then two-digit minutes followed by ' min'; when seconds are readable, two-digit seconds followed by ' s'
8 h 44 min
